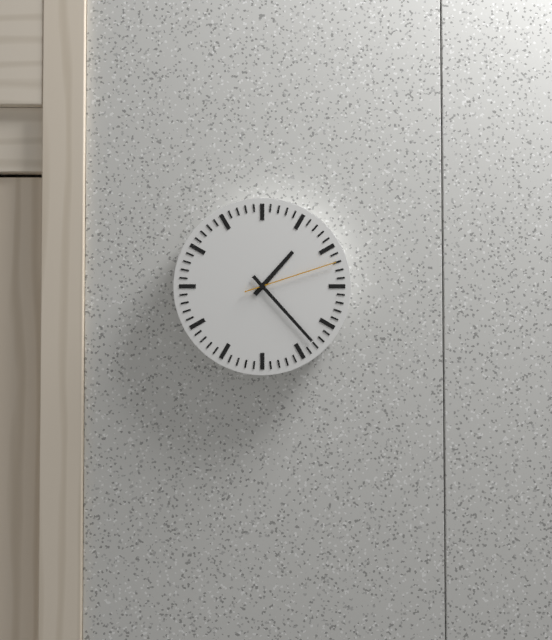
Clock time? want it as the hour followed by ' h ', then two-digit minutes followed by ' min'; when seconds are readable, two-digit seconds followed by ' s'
1 h 23 min 12 s
